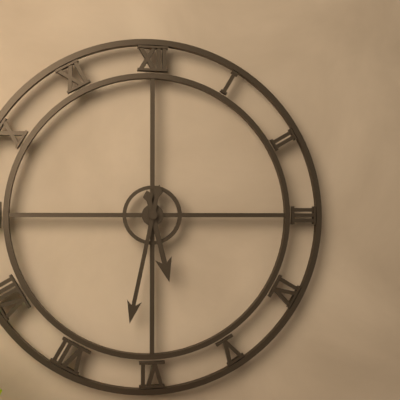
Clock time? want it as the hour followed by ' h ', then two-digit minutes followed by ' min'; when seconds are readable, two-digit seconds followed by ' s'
5 h 32 min
